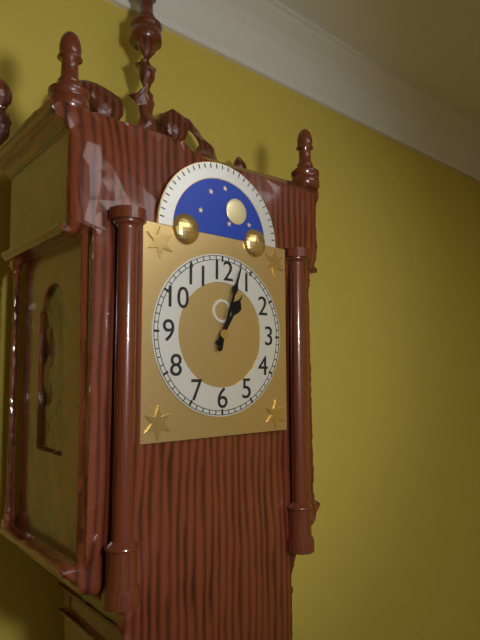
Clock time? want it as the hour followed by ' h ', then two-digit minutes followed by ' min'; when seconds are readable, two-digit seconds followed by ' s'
1 h 03 min
